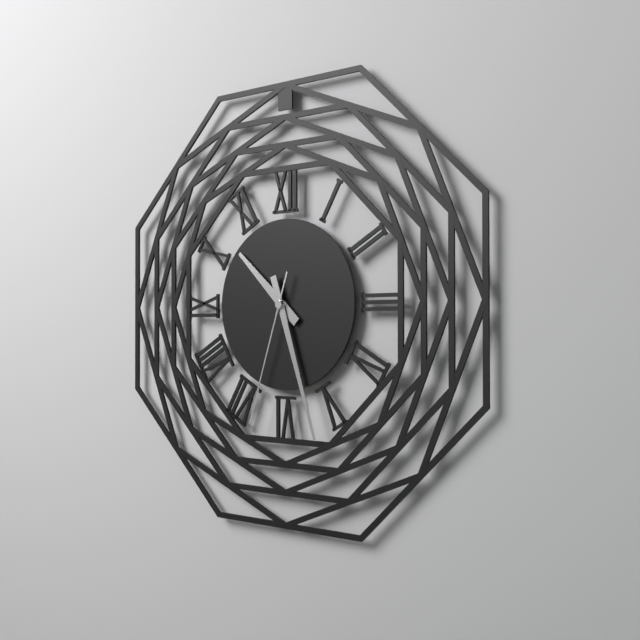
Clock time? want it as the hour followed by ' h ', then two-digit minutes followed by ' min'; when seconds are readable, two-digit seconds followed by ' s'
10 h 27 min 33 s
